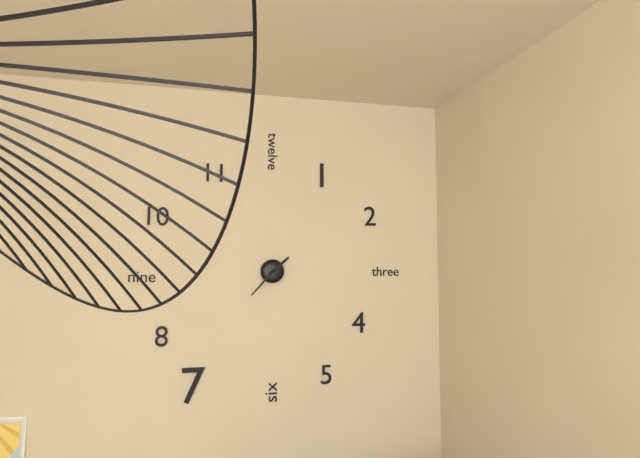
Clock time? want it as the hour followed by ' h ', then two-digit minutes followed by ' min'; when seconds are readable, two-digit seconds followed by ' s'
1 h 37 min
